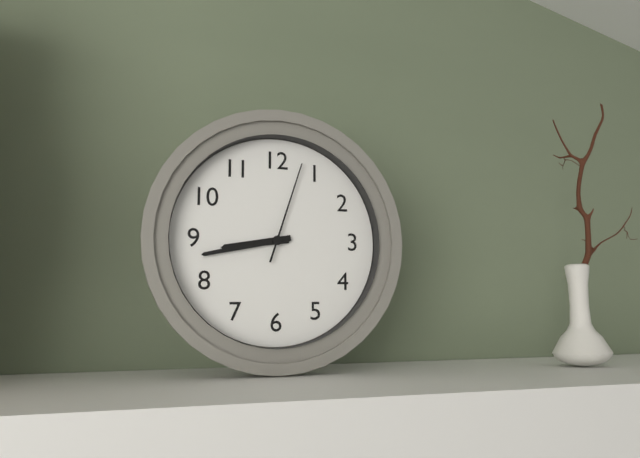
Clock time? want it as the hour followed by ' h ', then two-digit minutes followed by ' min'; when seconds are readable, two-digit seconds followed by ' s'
8 h 43 min 03 s
